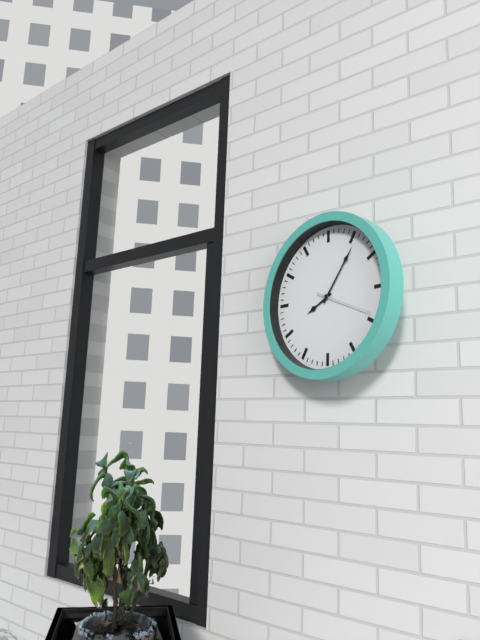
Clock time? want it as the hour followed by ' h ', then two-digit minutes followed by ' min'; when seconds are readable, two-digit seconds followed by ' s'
8 h 06 min 19 s
